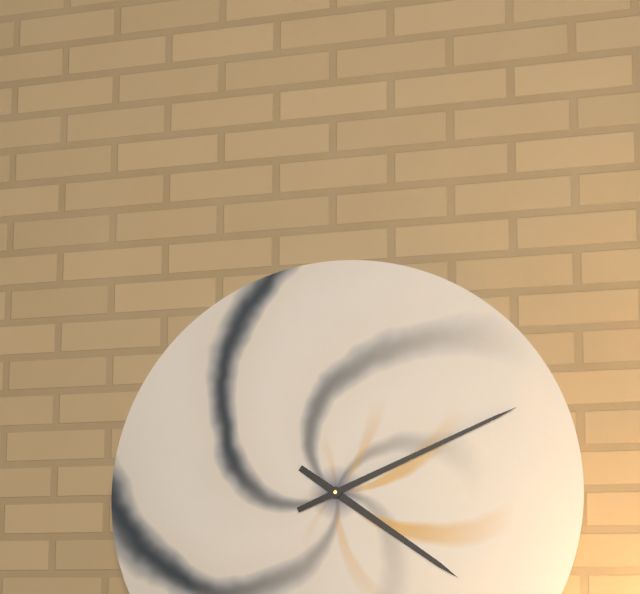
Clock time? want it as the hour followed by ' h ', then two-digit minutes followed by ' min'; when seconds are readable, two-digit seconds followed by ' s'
4 h 11 min
